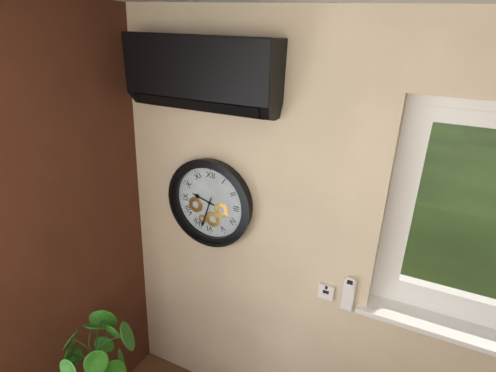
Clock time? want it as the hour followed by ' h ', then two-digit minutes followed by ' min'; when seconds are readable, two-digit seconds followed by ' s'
9 h 33 min
